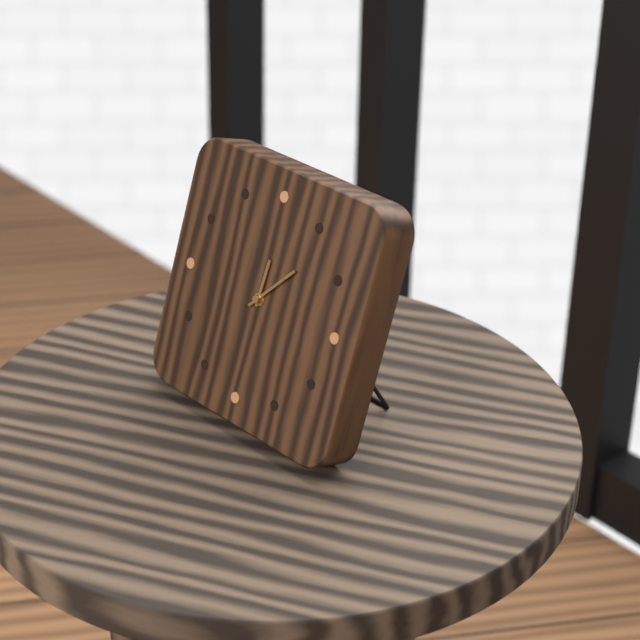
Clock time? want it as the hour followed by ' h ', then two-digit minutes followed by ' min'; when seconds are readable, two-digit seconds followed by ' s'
12 h 07 min
